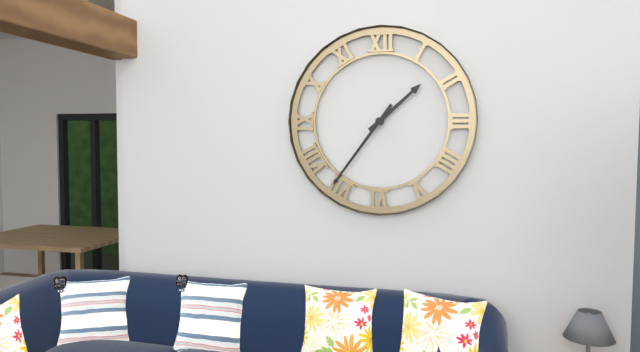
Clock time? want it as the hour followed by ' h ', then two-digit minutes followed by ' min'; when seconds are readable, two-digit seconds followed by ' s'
1 h 36 min
